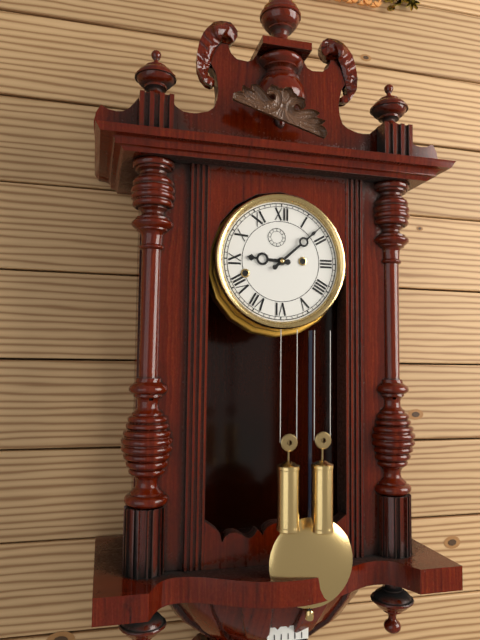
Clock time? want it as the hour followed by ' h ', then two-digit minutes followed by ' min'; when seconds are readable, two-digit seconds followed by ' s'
9 h 08 min
